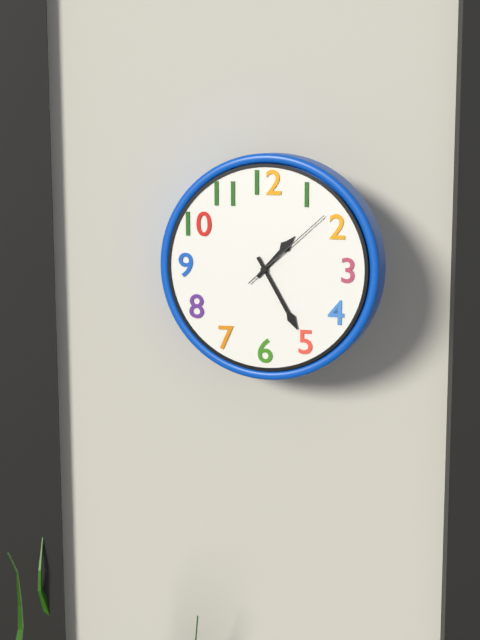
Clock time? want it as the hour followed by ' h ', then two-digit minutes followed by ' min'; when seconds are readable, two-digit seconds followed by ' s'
1 h 25 min 08 s
